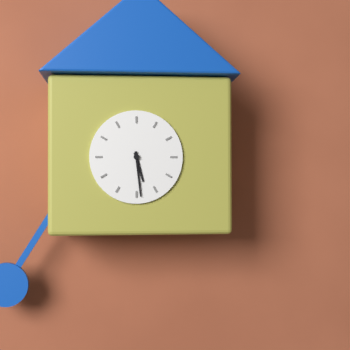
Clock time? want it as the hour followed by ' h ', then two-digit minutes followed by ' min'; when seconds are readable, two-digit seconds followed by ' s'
5 h 29 min
